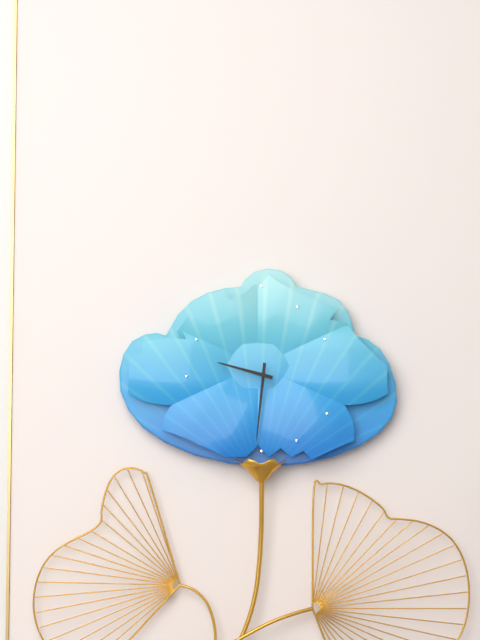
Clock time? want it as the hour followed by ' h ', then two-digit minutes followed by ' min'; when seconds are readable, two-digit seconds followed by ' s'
9 h 31 min
